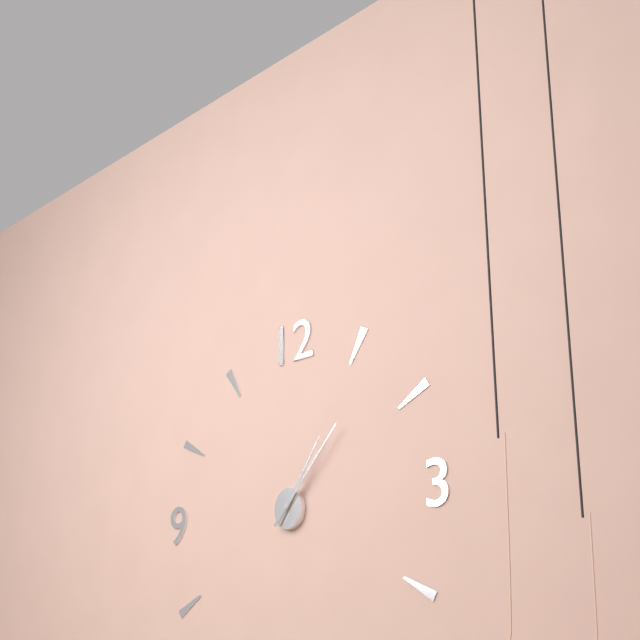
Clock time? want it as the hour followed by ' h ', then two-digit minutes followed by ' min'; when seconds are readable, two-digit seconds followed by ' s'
1 h 07 min
